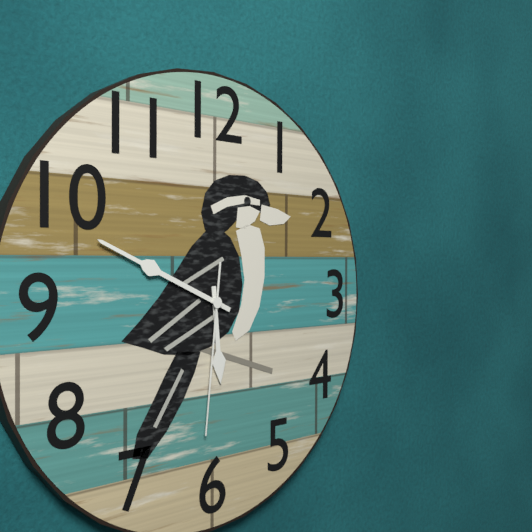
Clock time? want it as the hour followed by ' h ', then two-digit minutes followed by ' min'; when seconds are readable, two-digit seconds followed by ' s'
5 h 49 min 31 s
